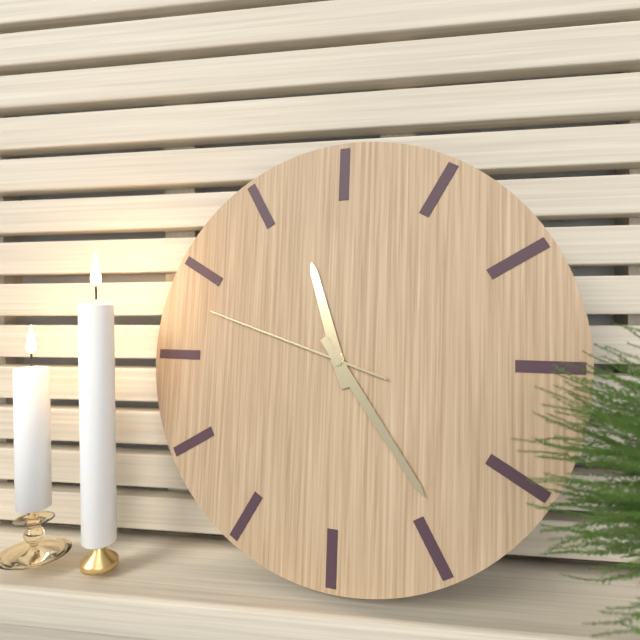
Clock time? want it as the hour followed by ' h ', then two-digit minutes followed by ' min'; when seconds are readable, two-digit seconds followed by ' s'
11 h 24 min 48 s
